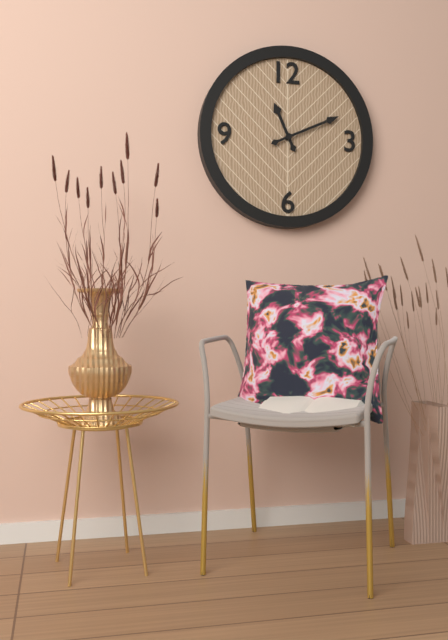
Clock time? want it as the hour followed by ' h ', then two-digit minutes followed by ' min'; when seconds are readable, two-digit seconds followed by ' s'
11 h 11 min
